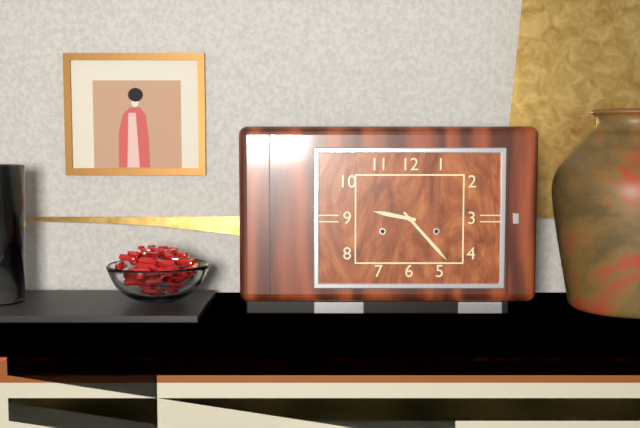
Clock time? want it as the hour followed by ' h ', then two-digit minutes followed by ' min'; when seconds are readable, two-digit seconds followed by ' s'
9 h 23 min
